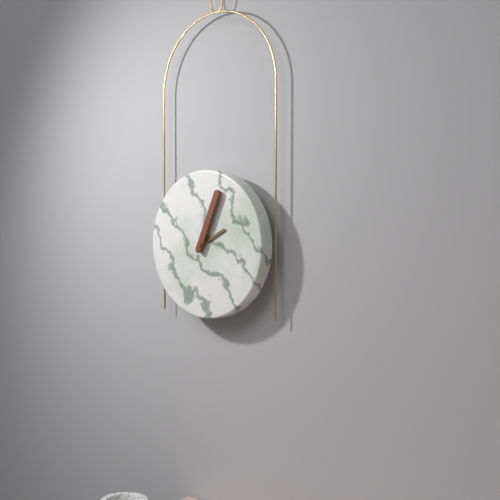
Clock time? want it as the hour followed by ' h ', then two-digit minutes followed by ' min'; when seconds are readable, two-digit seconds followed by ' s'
2 h 04 min
